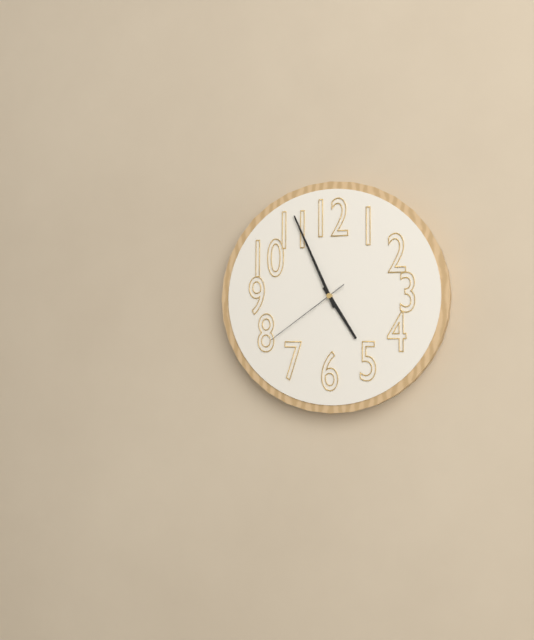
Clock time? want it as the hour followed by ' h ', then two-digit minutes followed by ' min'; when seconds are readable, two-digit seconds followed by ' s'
4 h 56 min 39 s
